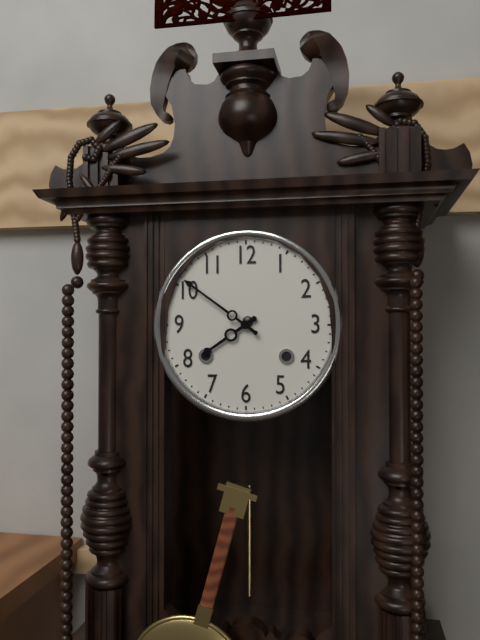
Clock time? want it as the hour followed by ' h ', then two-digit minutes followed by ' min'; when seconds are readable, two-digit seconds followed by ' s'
7 h 51 min
